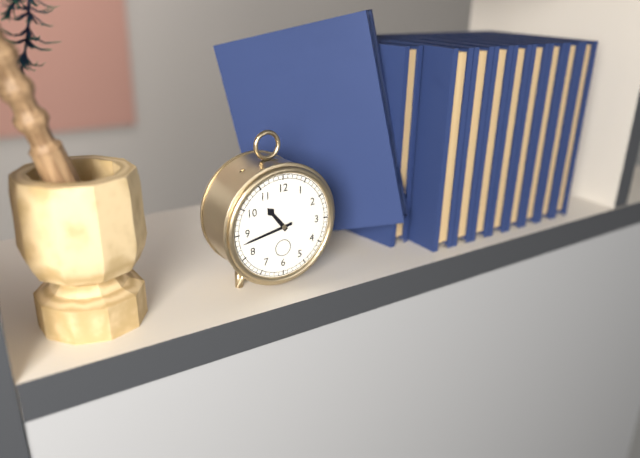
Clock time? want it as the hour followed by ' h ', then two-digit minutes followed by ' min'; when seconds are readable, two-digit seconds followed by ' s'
10 h 43 min
